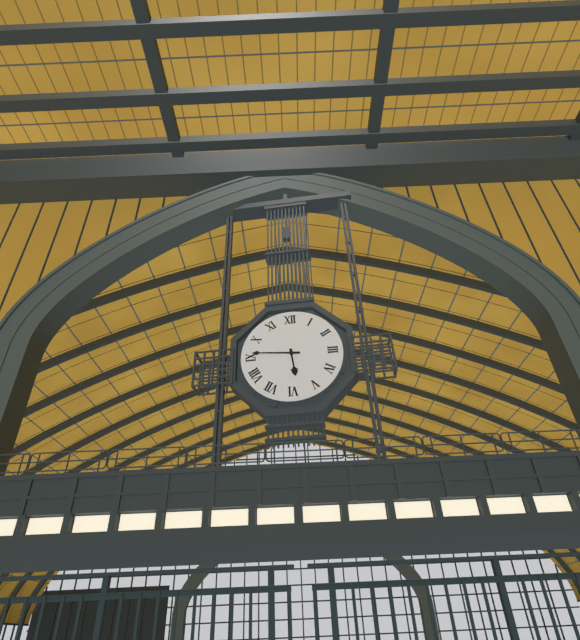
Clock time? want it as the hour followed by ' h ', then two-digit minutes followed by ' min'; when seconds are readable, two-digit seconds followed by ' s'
5 h 46 min
